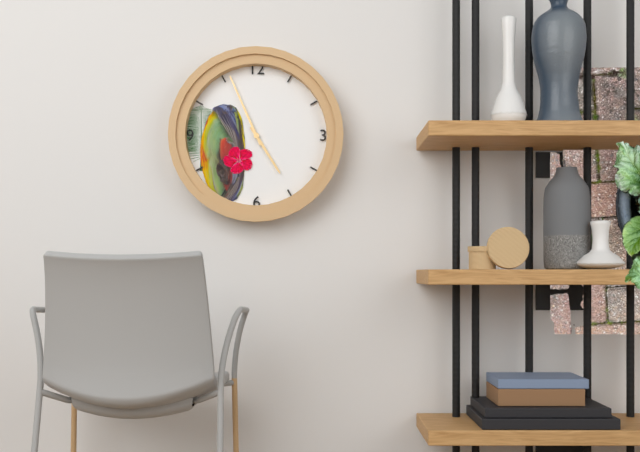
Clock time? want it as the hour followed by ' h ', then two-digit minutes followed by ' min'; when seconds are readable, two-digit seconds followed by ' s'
4 h 56 min
